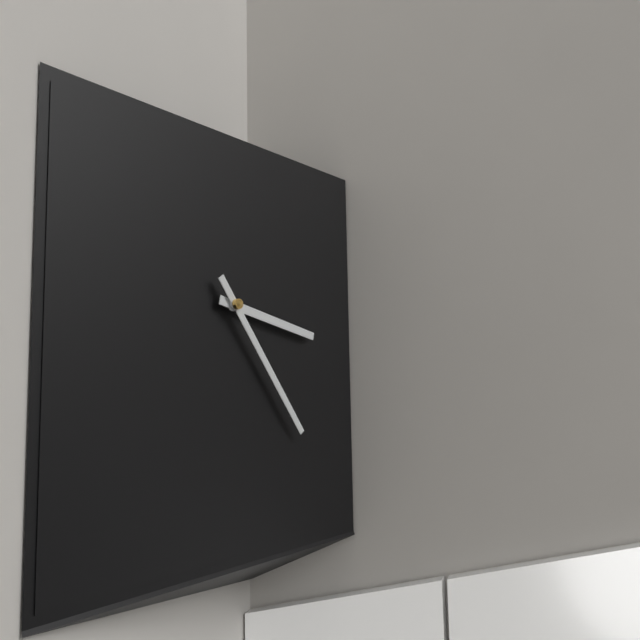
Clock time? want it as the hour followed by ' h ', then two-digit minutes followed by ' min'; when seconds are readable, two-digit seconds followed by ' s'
3 h 24 min
